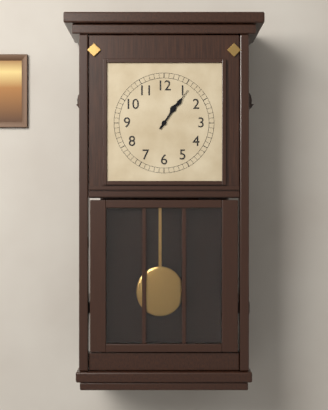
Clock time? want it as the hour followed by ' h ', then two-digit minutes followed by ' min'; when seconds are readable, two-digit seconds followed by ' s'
1 h 06 min
